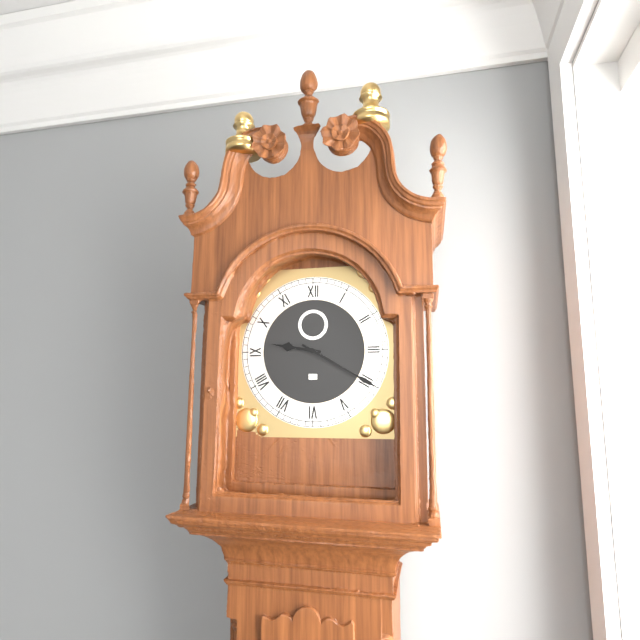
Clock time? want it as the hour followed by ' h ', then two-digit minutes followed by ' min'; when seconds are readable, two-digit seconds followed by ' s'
9 h 20 min
